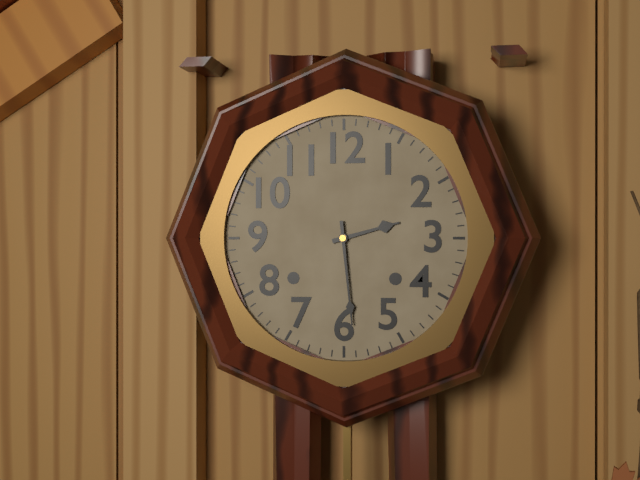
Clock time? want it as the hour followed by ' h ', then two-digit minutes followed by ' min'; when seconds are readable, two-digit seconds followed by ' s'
2 h 29 min
